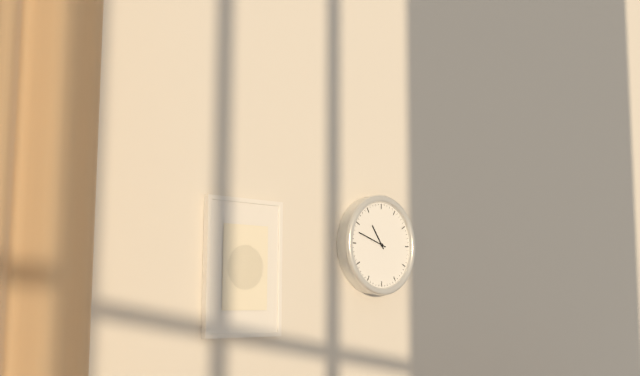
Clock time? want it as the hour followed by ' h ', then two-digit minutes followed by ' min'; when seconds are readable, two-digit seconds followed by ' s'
10 h 48 min
